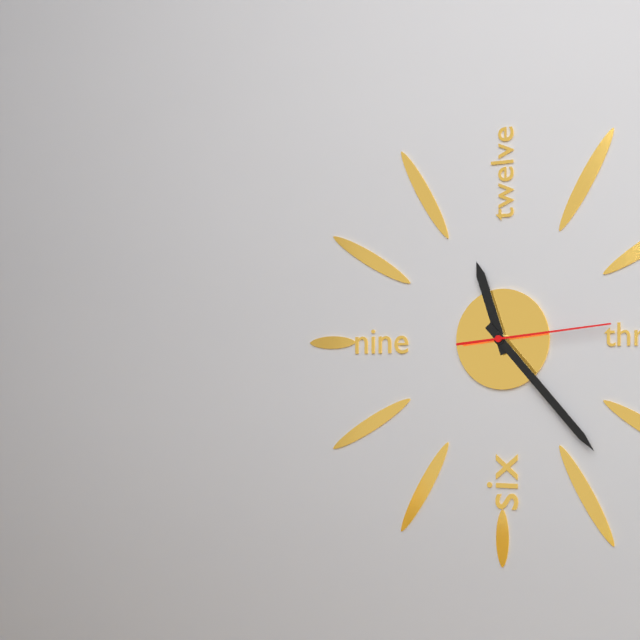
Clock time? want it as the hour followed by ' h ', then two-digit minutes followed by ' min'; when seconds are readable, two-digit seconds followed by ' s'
11 h 23 min 14 s
